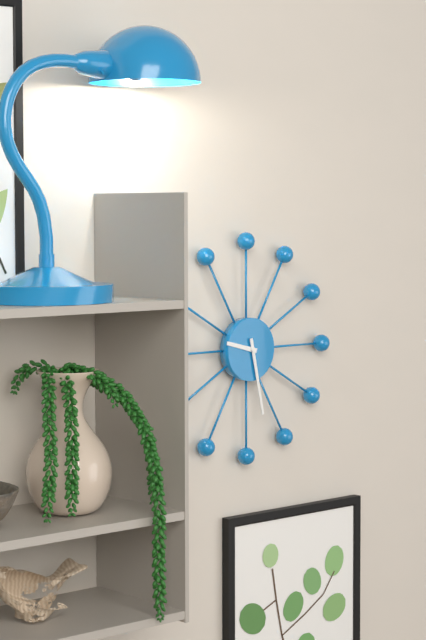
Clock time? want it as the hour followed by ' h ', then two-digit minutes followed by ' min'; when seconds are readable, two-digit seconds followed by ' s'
9 h 28 min
